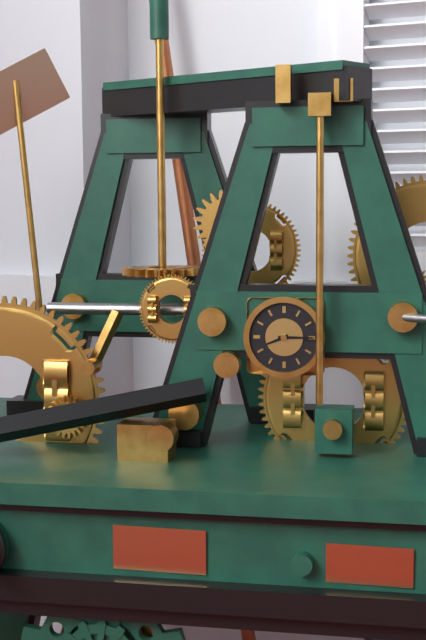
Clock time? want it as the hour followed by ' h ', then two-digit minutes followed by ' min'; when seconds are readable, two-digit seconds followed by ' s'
8 h 15 min
